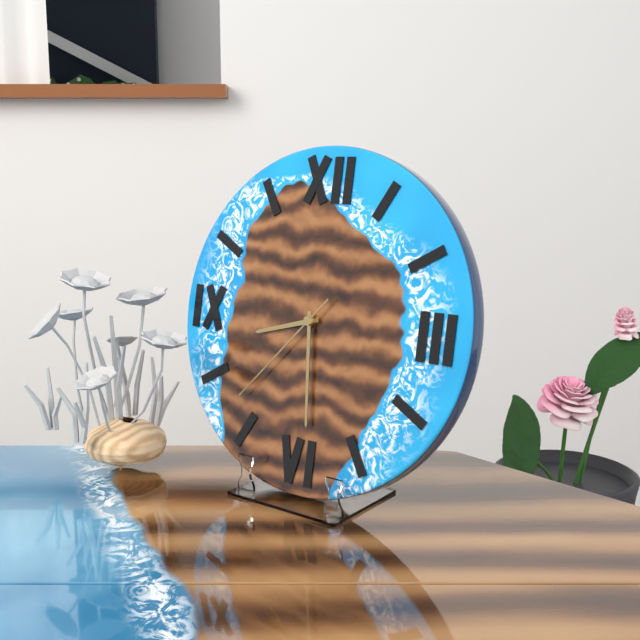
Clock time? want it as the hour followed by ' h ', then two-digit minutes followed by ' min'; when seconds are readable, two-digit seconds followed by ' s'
8 h 29 min 37 s
